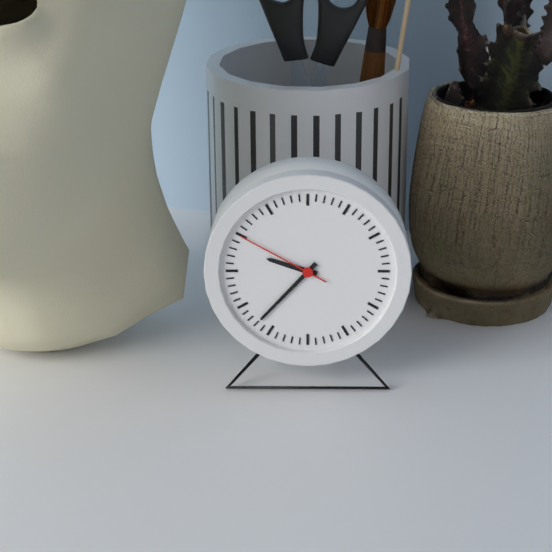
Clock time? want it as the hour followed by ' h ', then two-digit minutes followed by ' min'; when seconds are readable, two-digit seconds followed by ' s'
9 h 37 min 50 s
